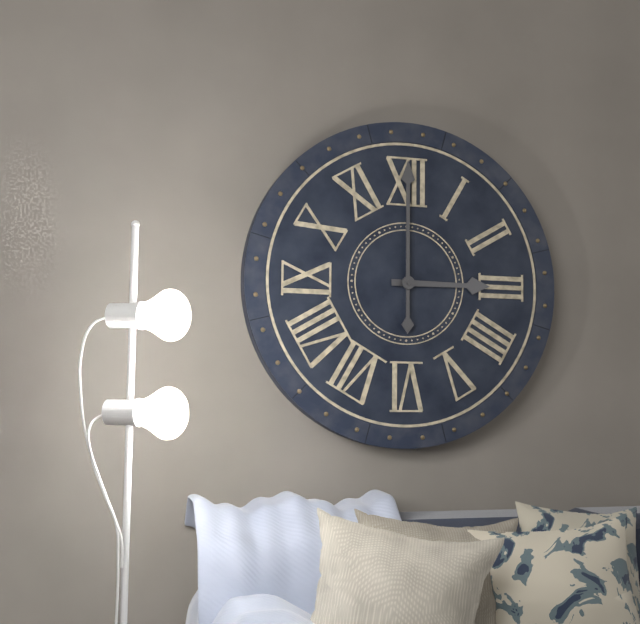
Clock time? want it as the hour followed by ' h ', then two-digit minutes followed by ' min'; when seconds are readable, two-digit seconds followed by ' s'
3 h 00 min
